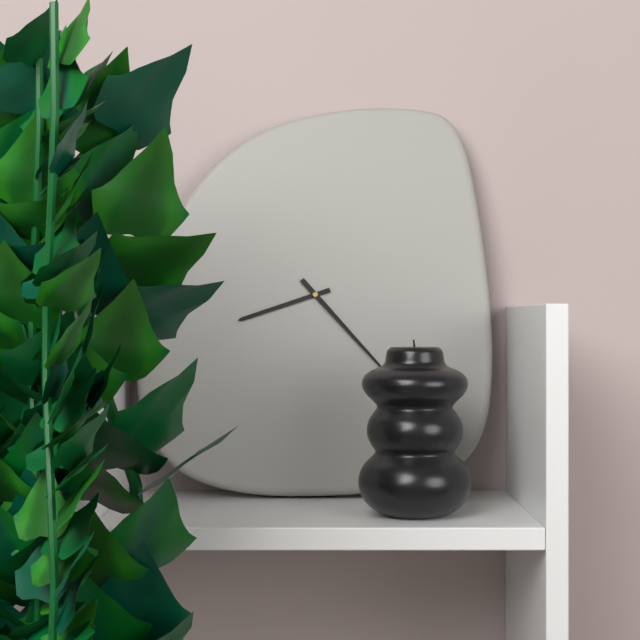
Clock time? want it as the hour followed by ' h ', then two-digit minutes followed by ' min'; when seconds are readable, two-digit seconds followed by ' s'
8 h 23 min
